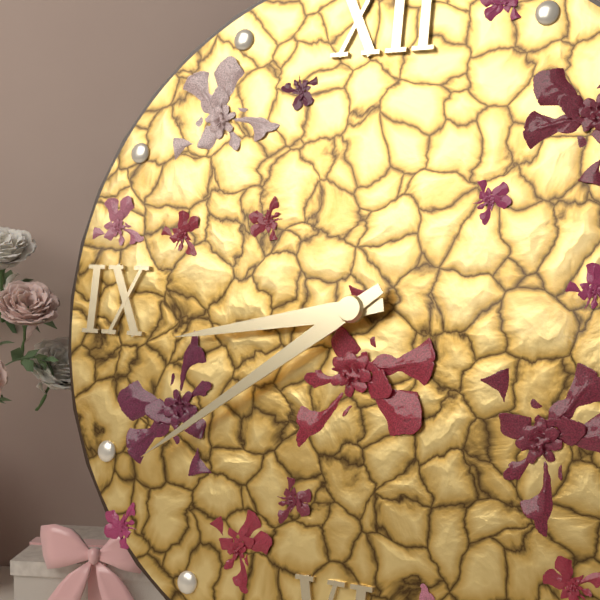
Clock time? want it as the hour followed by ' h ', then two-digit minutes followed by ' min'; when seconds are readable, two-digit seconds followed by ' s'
8 h 39 min
